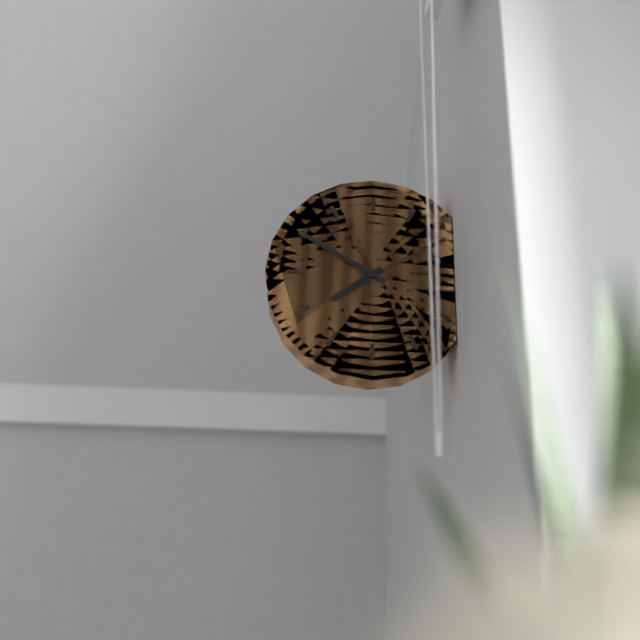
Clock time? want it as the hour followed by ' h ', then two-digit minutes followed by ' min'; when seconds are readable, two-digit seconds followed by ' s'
7 h 50 min 10 s
